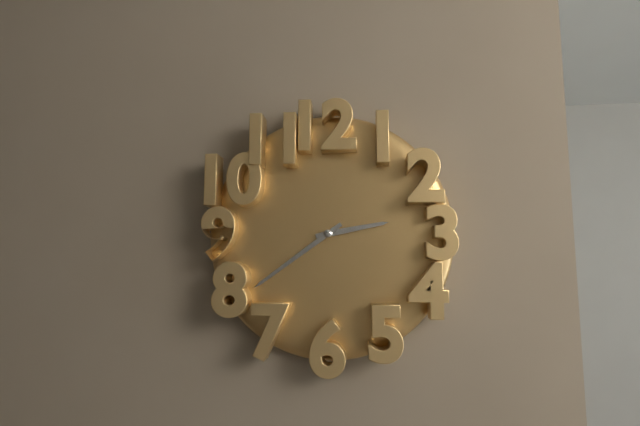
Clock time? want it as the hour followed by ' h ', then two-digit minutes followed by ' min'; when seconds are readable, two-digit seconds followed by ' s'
2 h 39 min
